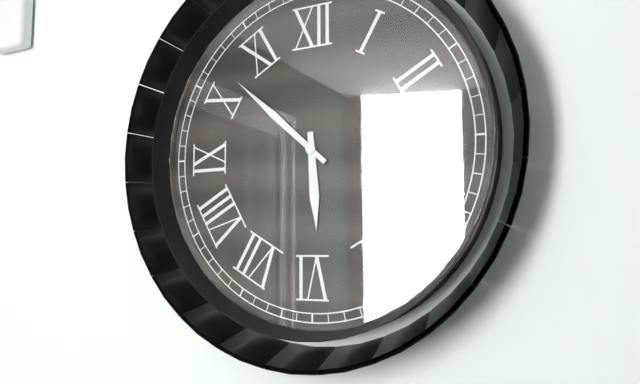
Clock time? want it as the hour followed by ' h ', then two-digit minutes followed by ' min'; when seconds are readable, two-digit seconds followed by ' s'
5 h 52 min
